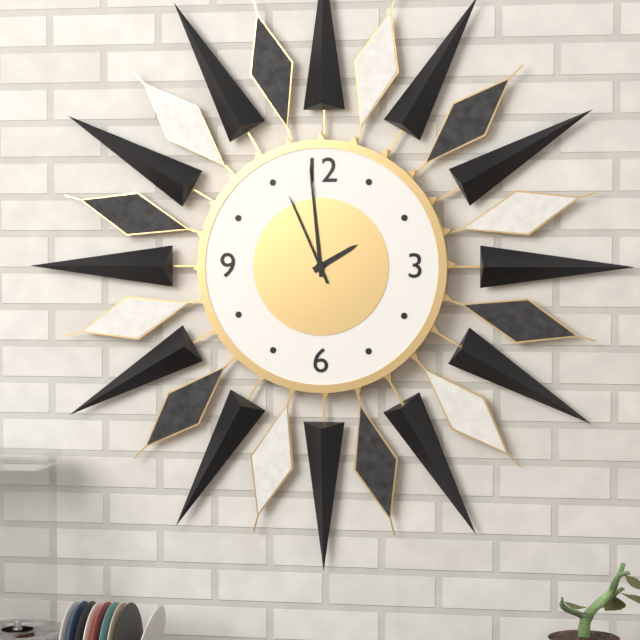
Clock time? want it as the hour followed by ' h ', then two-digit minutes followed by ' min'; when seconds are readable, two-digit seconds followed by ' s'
1 h 59 min 56 s
